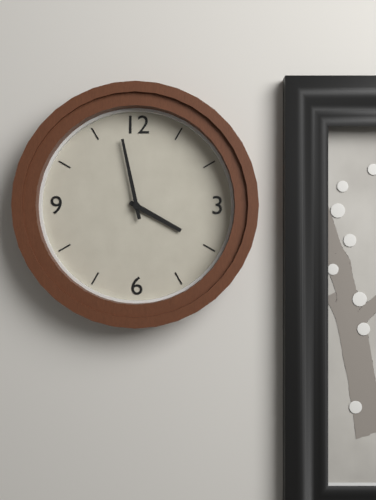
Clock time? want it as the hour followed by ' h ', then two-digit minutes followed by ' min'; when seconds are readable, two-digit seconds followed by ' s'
3 h 58 min
